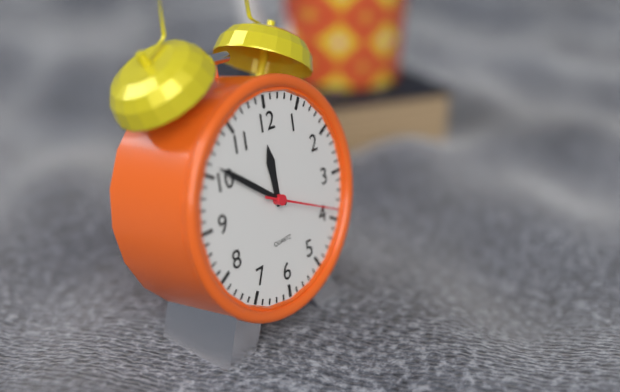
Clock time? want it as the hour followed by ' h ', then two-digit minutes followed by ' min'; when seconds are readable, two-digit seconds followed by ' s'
11 h 51 min 19 s
